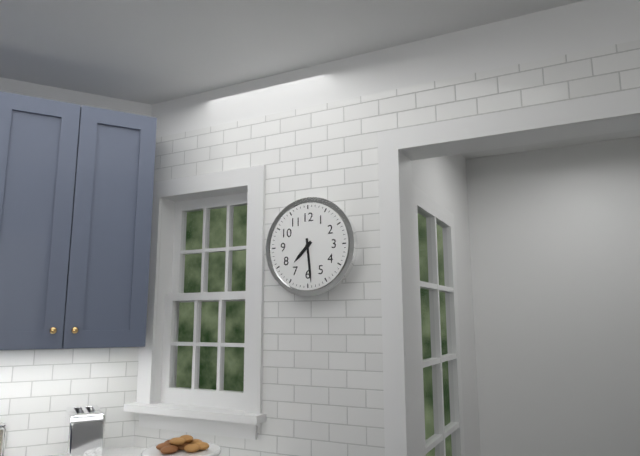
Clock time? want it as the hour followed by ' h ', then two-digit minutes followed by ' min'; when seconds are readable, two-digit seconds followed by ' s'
7 h 29 min
